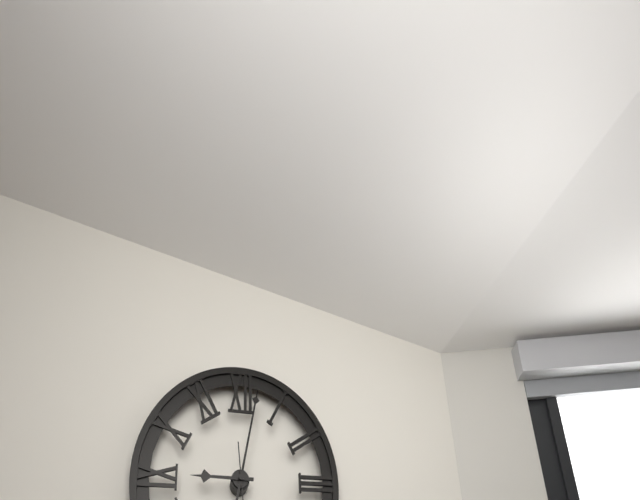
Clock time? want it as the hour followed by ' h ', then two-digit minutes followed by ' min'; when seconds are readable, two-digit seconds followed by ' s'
9 h 02 min
